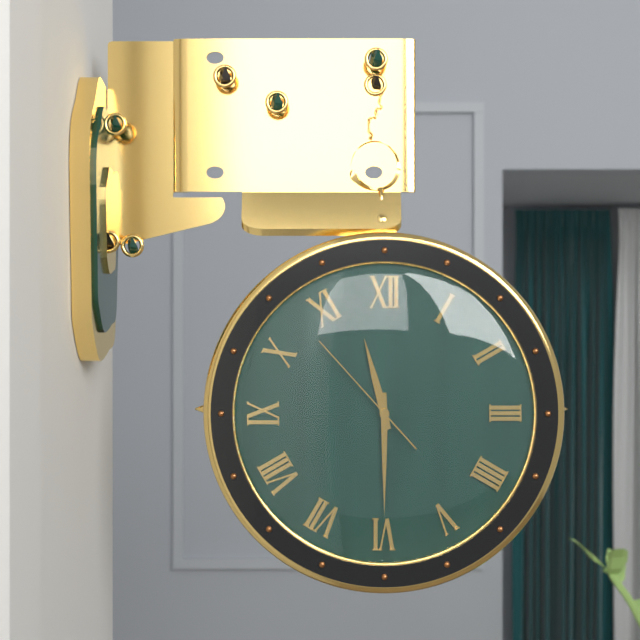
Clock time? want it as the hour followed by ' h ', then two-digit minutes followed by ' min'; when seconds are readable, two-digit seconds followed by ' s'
11 h 30 min 53 s
